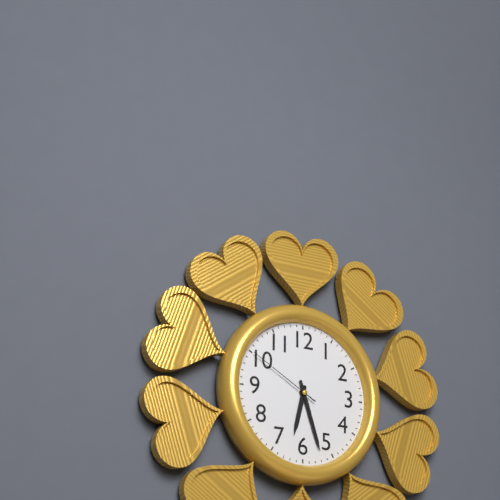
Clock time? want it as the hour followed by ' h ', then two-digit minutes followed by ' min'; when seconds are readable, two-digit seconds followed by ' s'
6 h 27 min 50 s
